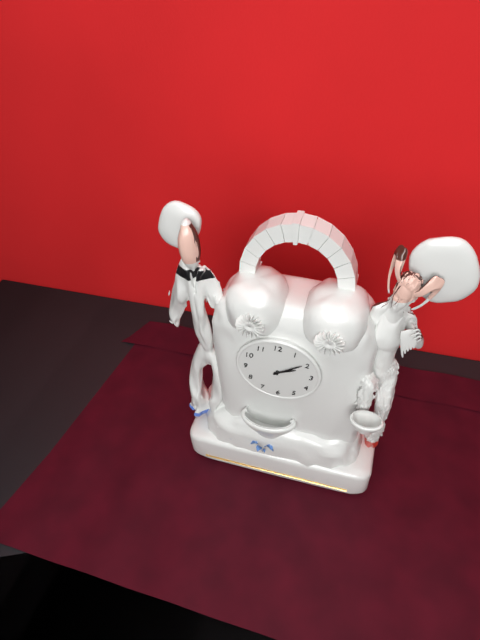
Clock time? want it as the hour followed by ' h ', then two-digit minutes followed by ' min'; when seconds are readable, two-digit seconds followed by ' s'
2 h 09 min
